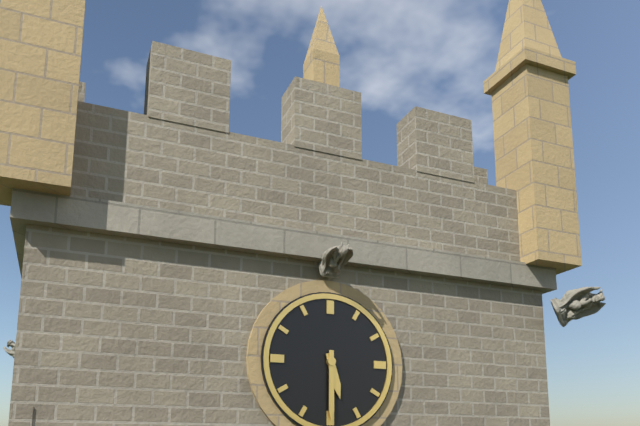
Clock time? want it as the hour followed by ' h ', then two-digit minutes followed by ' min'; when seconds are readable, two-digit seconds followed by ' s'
5 h 30 min
